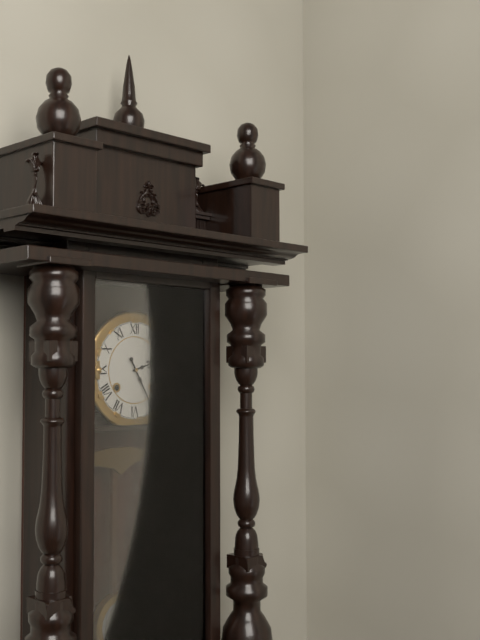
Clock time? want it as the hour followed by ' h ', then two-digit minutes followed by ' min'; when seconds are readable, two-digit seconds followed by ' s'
2 h 25 min
